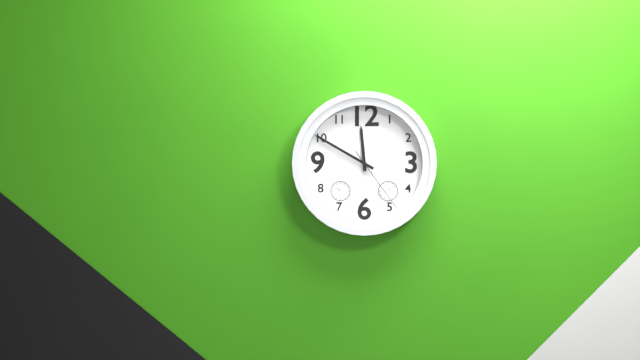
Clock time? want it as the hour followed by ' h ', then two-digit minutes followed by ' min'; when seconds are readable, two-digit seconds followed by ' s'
11 h 50 min 24 s
